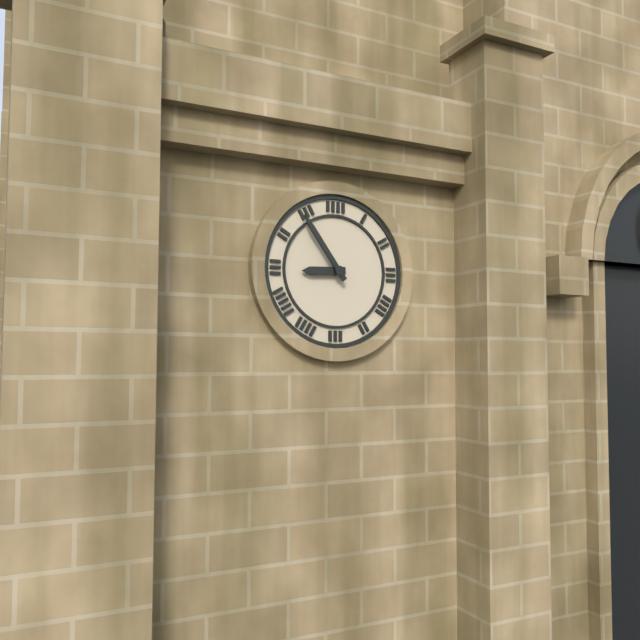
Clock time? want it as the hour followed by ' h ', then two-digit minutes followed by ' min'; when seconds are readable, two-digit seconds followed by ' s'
8 h 54 min
